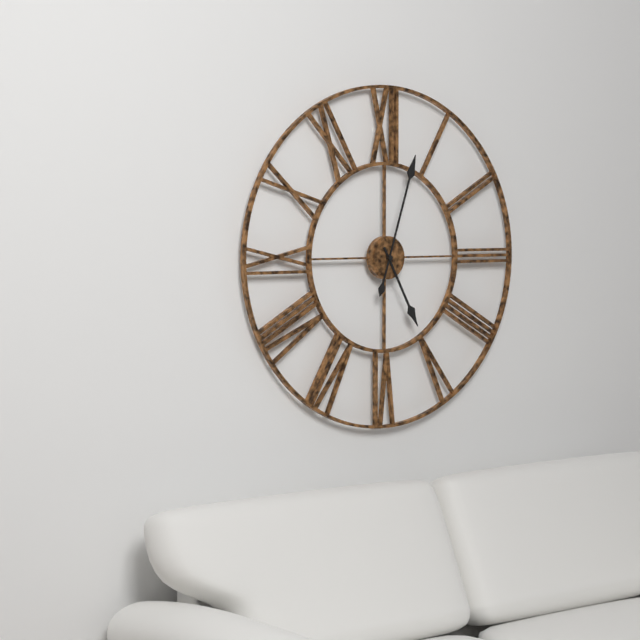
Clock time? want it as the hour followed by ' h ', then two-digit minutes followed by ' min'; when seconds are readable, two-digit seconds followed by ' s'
5 h 03 min
